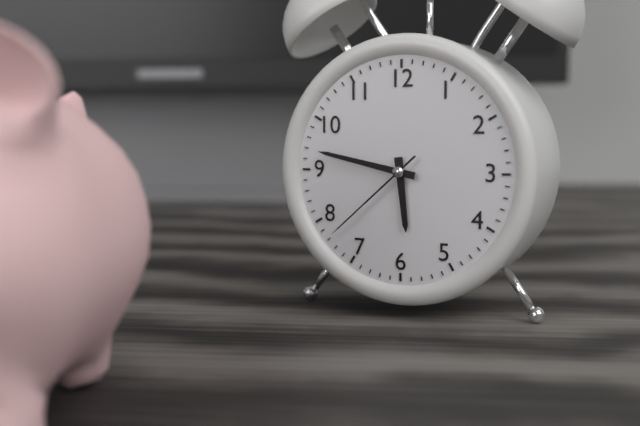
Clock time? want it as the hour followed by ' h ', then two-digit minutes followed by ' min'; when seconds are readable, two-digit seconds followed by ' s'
5 h 47 min 38 s
